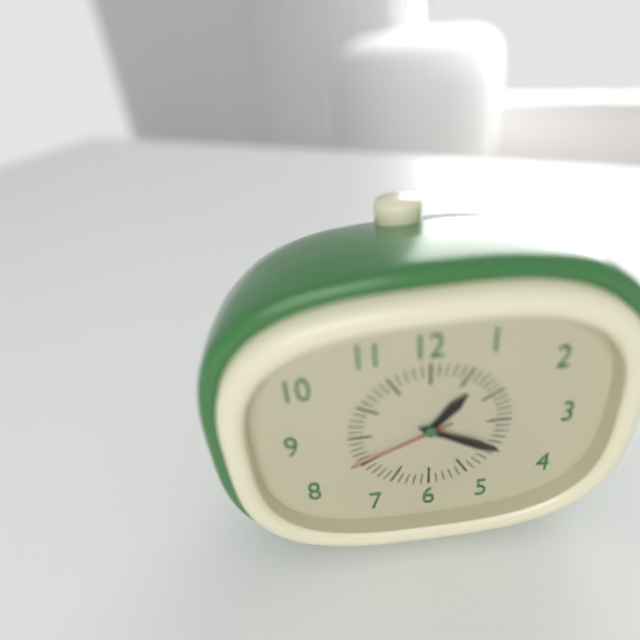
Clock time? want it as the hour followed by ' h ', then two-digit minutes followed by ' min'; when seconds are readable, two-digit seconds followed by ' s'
1 h 20 min 41 s
